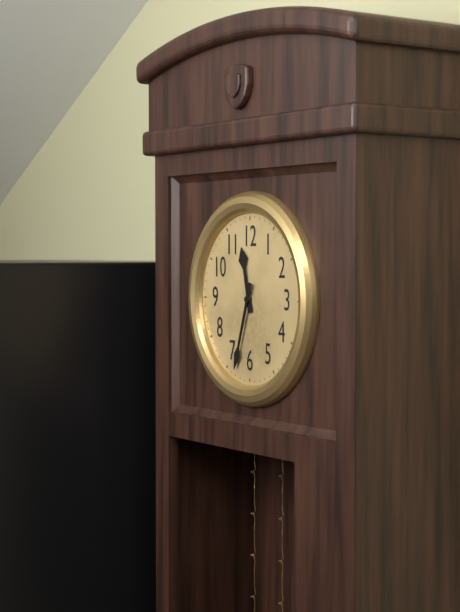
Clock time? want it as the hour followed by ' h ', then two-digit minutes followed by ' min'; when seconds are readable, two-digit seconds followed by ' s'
11 h 33 min
